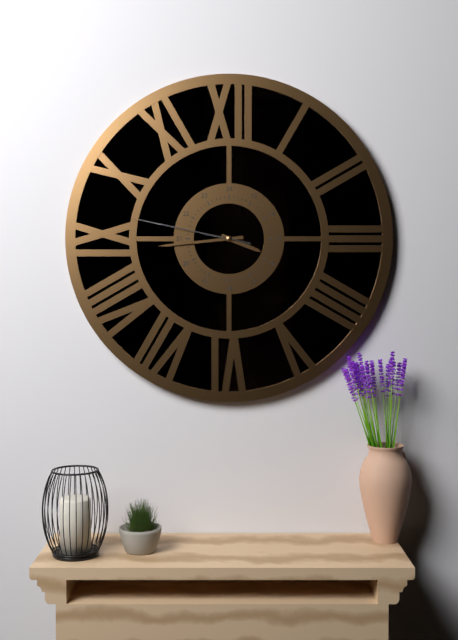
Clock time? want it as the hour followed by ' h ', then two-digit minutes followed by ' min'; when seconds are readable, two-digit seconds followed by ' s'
3 h 44 min 47 s
